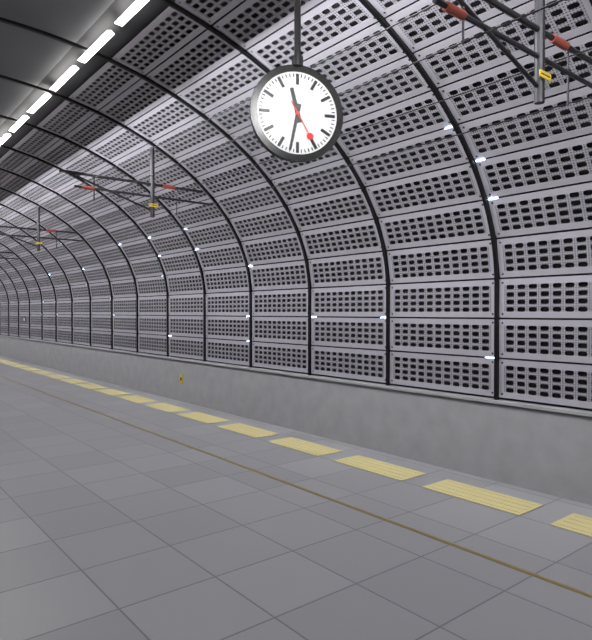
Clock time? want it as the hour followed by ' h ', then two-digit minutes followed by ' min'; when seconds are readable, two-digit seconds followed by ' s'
11 h 32 min
